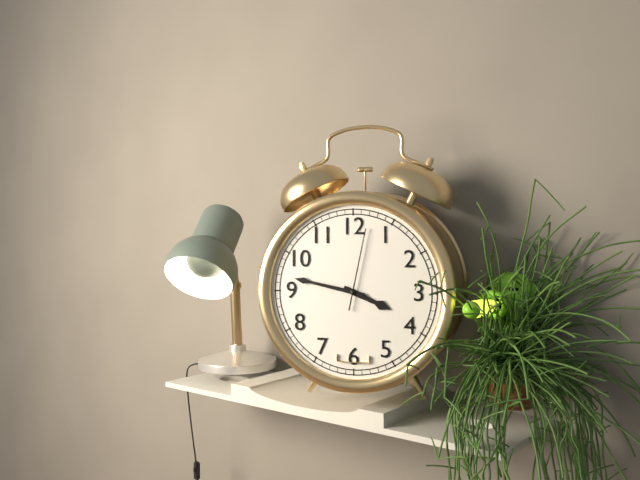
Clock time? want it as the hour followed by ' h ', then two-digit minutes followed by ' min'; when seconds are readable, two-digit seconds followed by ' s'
3 h 47 min 02 s
